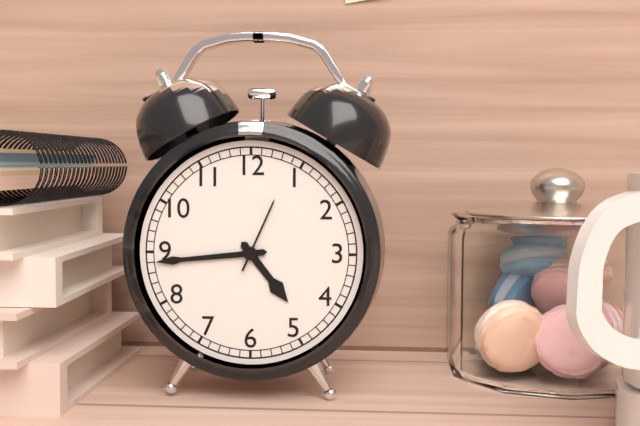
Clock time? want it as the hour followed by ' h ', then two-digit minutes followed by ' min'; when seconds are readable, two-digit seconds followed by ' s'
4 h 44 min 04 s
